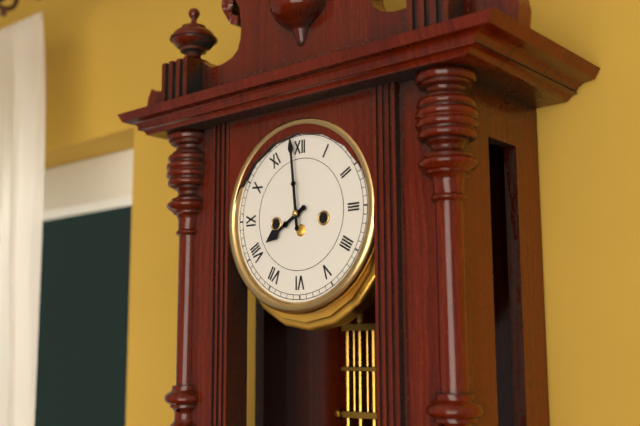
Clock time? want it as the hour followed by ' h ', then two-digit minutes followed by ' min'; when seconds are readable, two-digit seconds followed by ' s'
7 h 59 min
